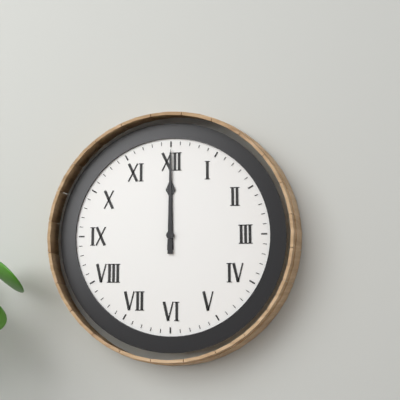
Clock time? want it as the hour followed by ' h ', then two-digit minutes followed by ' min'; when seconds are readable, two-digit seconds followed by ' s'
12 h 00 min
